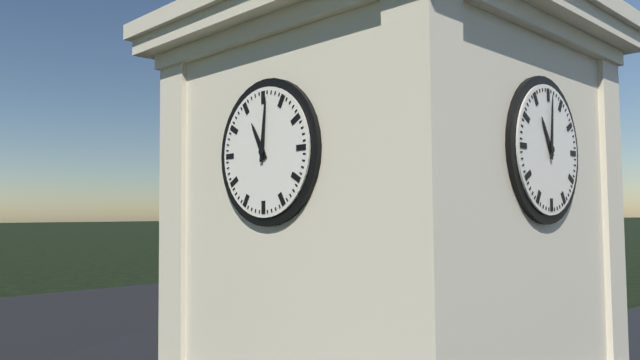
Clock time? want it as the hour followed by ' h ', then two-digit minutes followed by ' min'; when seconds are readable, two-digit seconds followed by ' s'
11 h 01 min
